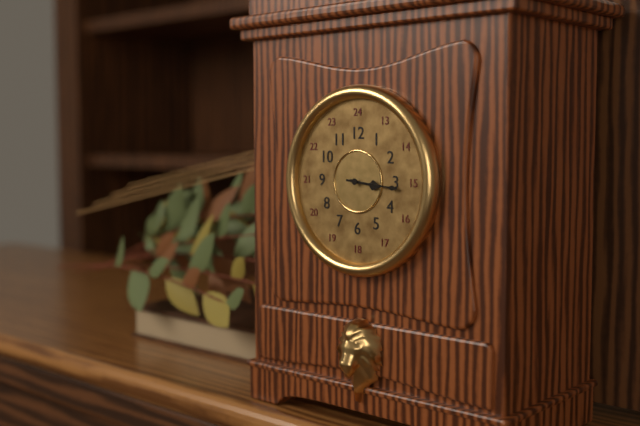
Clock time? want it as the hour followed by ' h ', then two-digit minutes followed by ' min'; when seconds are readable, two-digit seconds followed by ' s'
3 h 16 min
